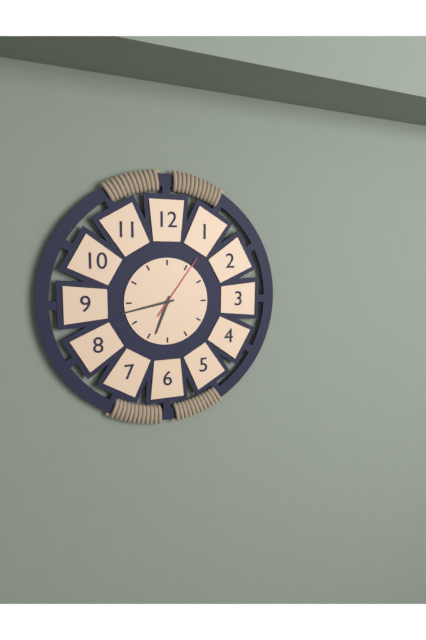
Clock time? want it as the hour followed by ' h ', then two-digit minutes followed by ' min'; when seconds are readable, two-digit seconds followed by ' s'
6 h 43 min 06 s
